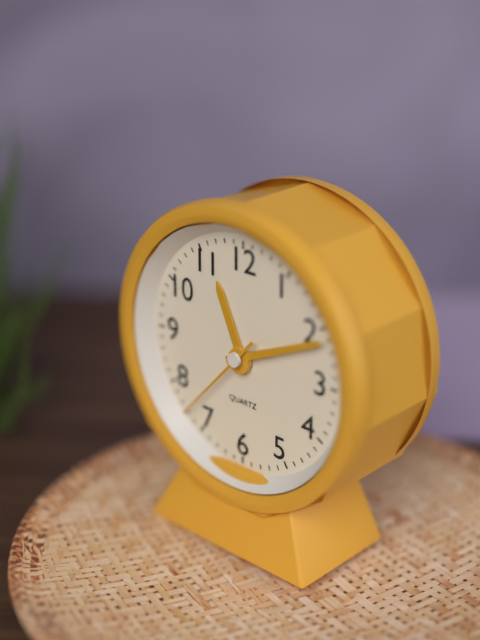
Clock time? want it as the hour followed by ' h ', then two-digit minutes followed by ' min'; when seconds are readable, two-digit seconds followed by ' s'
11 h 11 min 37 s
